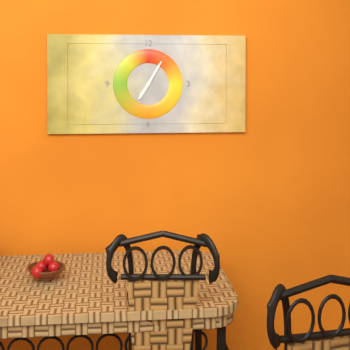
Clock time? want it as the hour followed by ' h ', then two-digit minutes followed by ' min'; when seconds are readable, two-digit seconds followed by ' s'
7 h 05 min
